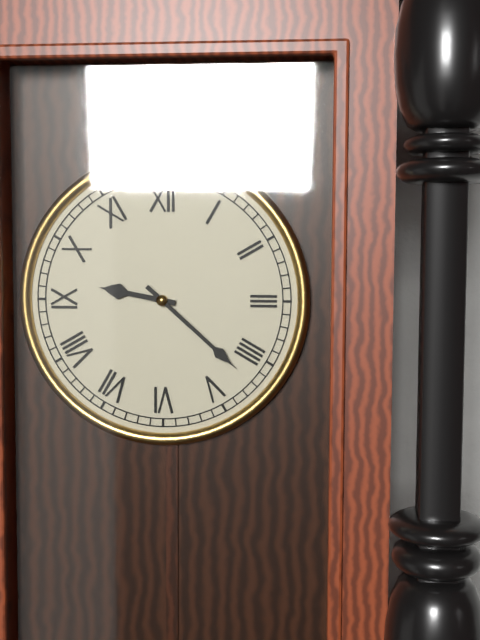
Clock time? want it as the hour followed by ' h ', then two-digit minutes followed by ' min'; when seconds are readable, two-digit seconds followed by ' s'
9 h 22 min
